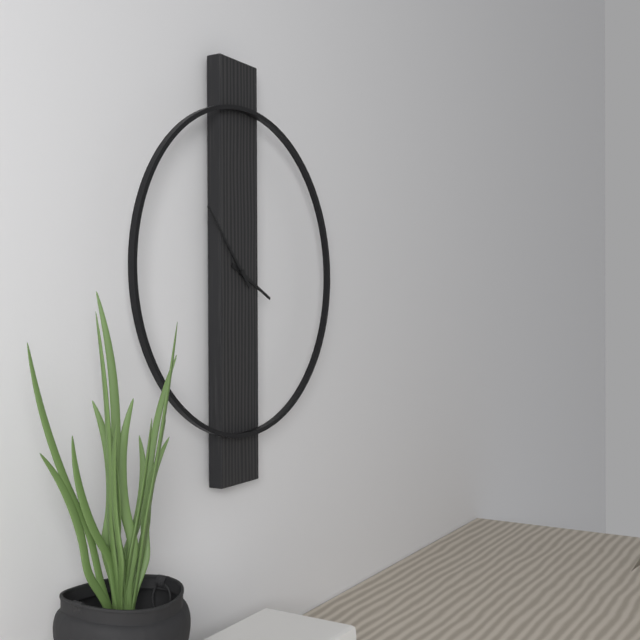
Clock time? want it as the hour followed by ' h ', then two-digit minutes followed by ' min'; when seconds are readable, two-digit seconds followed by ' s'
3 h 53 min
